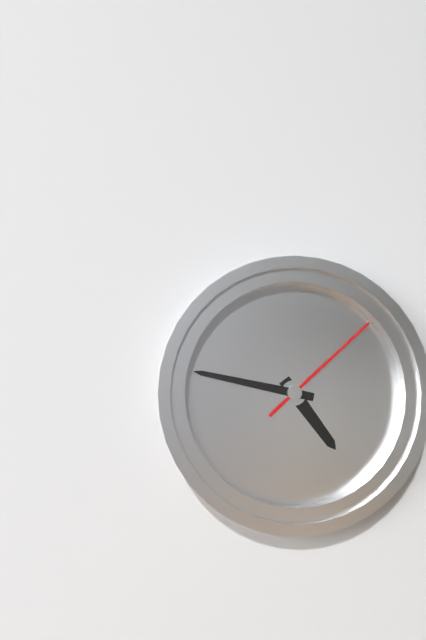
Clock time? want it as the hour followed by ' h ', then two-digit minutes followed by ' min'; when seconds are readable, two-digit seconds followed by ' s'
4 h 47 min 08 s
